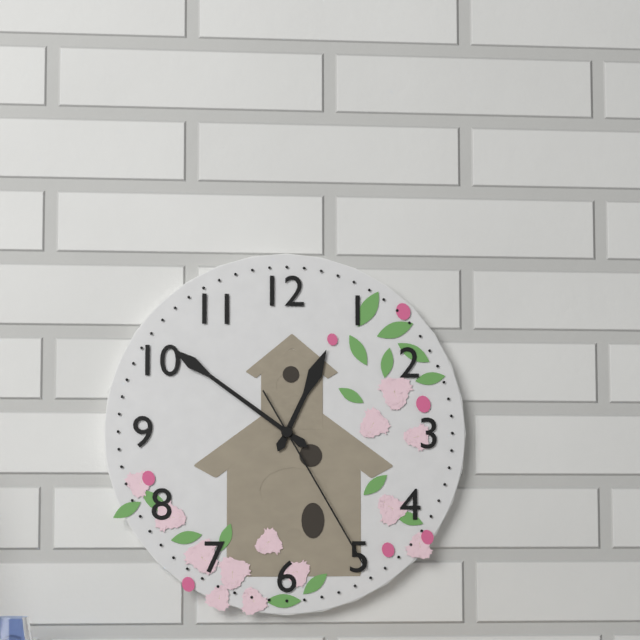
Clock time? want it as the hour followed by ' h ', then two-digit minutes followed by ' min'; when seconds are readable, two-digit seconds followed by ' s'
12 h 51 min 25 s
